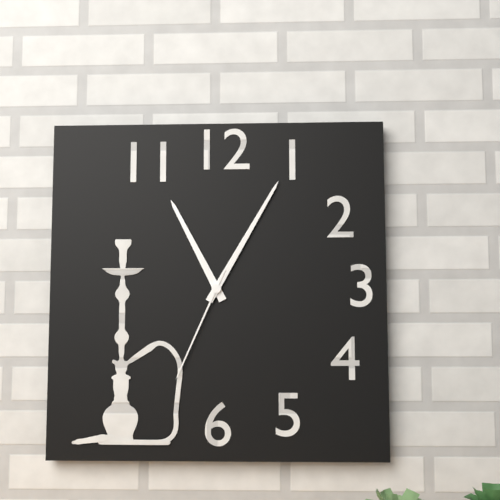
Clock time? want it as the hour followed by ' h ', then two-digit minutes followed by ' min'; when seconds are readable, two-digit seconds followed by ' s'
11 h 05 min 34 s
